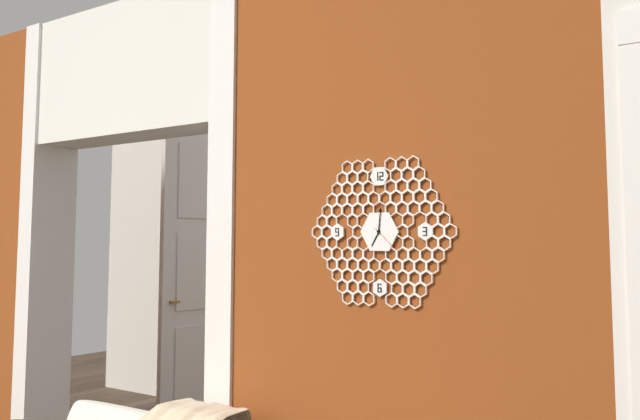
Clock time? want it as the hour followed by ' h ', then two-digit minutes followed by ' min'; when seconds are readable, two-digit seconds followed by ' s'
7 h 01 min
